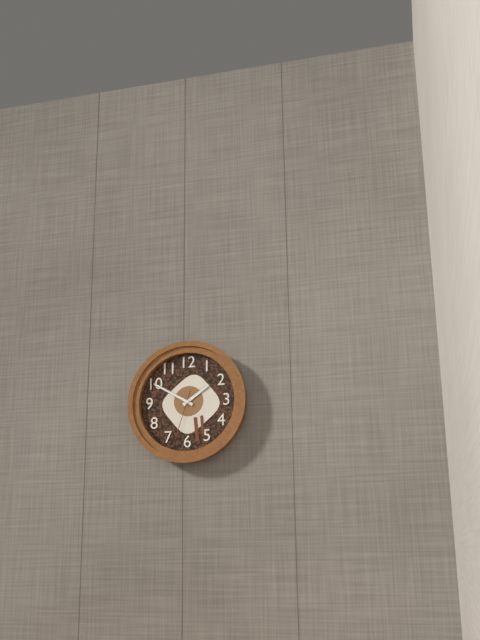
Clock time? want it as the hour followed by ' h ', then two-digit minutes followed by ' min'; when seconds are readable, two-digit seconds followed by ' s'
1 h 50 min 33 s
